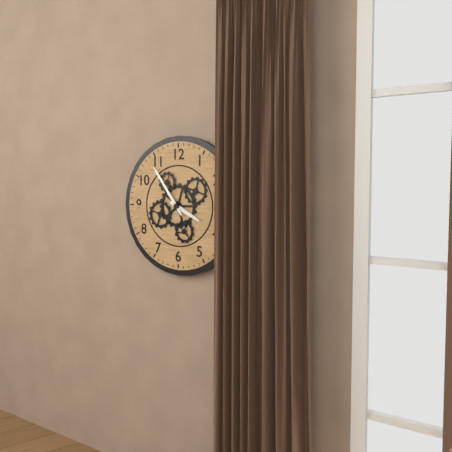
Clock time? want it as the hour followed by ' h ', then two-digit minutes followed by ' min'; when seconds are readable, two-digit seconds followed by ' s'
3 h 54 min
